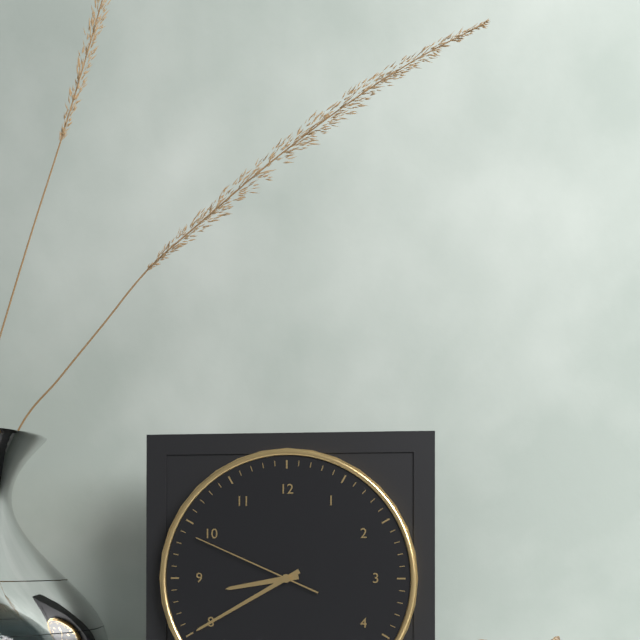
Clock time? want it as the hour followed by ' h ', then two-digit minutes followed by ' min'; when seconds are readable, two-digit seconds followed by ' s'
8 h 40 min 49 s
